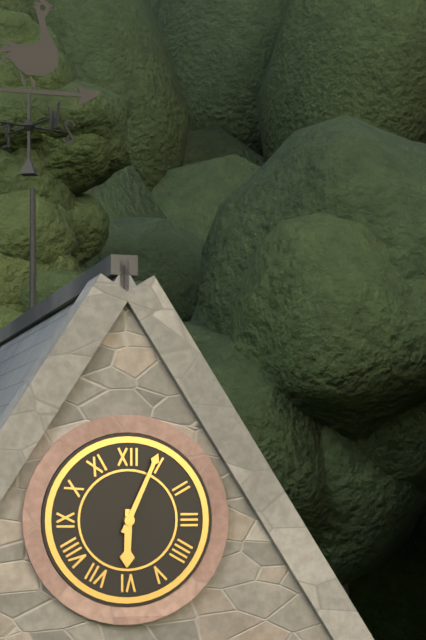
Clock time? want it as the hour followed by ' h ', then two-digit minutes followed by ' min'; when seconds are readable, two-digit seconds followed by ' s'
6 h 04 min
